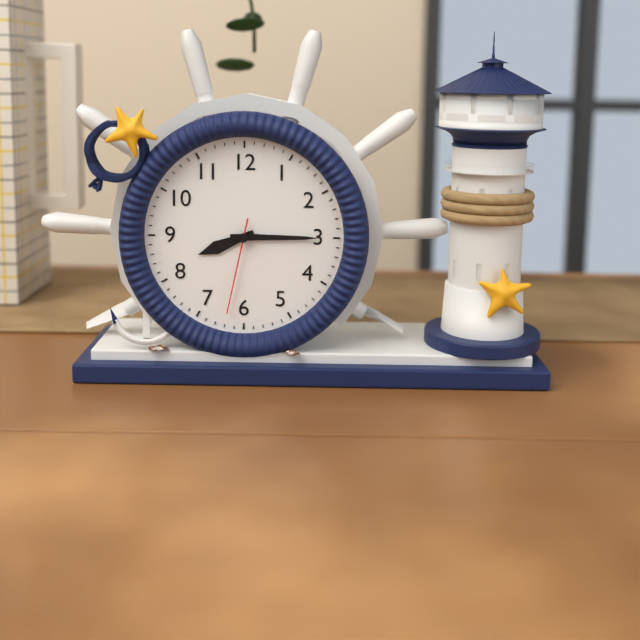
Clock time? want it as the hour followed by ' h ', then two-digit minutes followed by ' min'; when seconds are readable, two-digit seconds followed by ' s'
8 h 15 min 32 s
